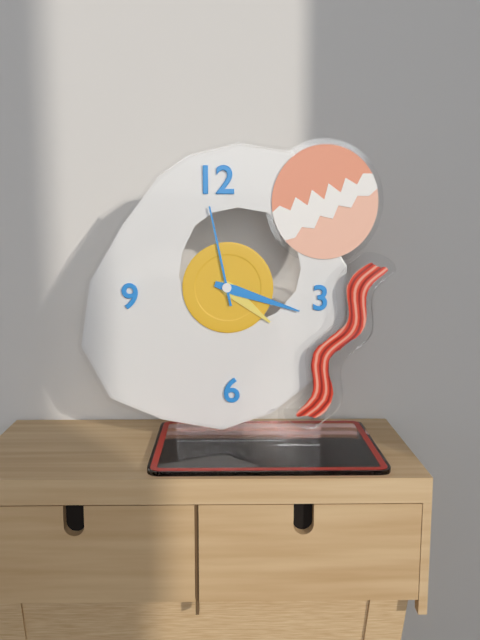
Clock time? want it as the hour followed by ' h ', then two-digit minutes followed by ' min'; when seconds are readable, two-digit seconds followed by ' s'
4 h 18 min 58 s
